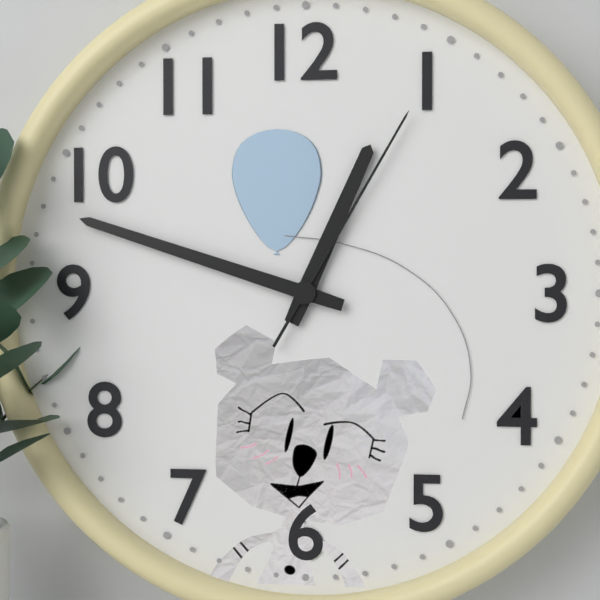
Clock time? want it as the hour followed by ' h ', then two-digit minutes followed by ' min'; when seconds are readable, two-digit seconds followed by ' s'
12 h 48 min 05 s
